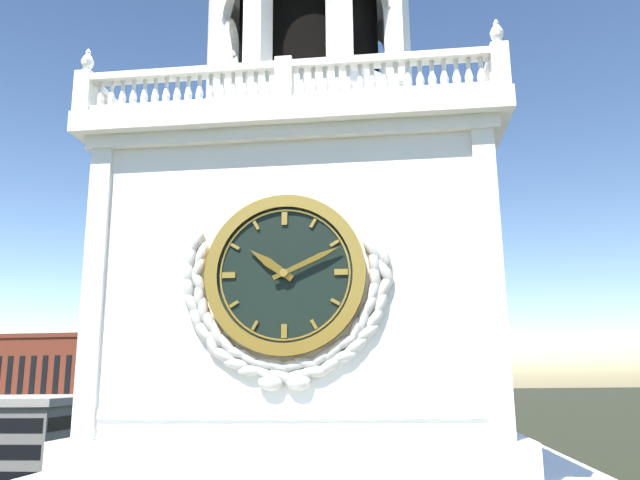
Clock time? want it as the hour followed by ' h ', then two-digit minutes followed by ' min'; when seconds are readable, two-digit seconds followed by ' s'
10 h 11 min
